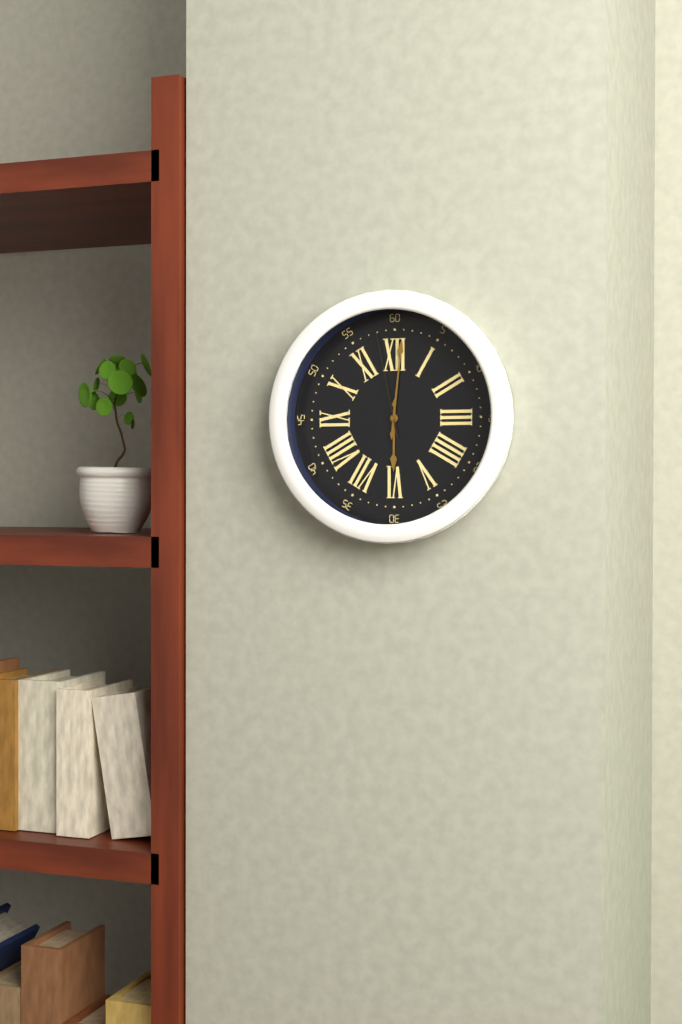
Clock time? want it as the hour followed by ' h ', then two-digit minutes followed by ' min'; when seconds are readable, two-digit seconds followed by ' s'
6 h 01 min 58 s
